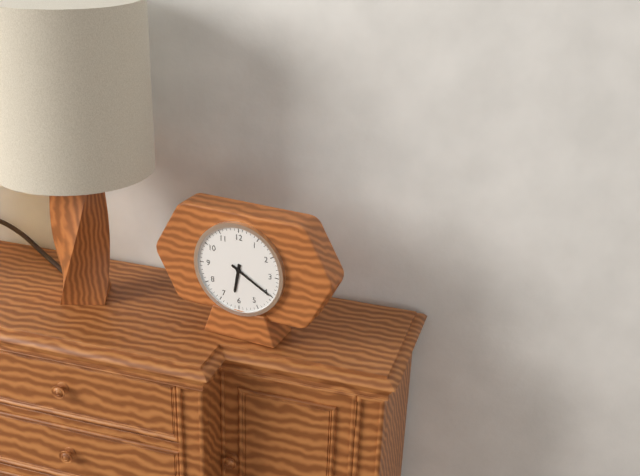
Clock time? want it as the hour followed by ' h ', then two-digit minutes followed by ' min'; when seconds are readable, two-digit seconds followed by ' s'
6 h 20 min
